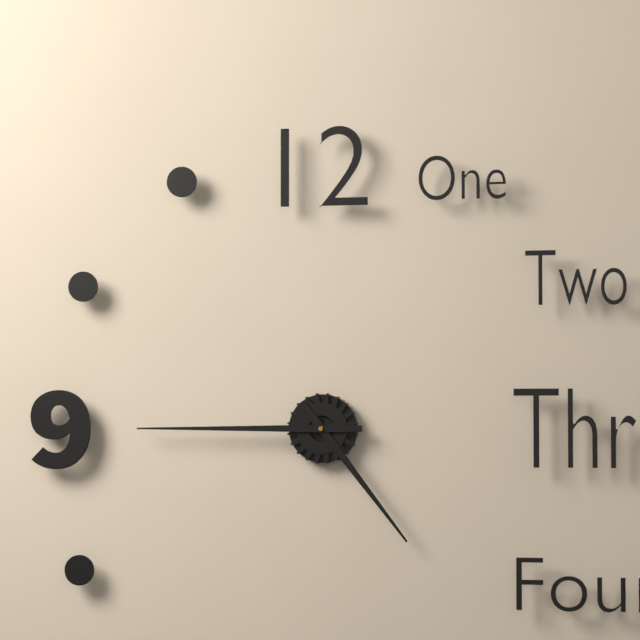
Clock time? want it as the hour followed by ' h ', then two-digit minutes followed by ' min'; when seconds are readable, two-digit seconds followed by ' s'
4 h 45 min
